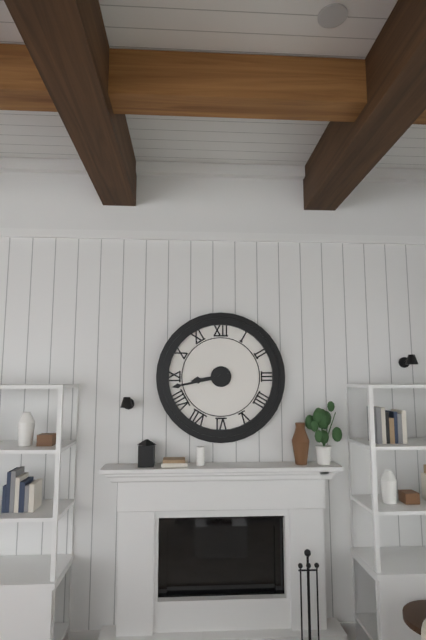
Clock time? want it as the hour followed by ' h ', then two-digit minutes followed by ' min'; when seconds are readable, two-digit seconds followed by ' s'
8 h 43 min
